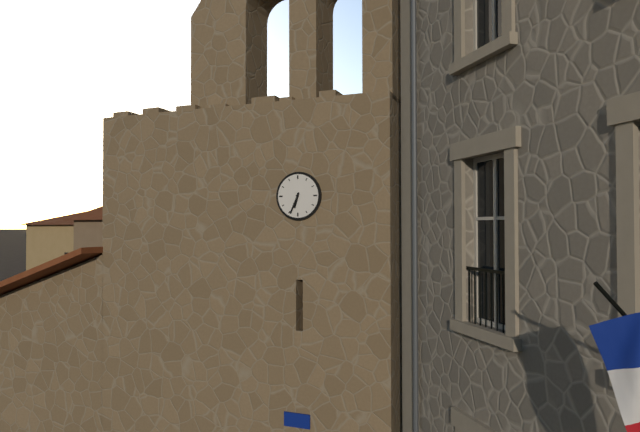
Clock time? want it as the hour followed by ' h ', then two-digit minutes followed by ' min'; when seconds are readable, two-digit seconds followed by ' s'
6 h 34 min
